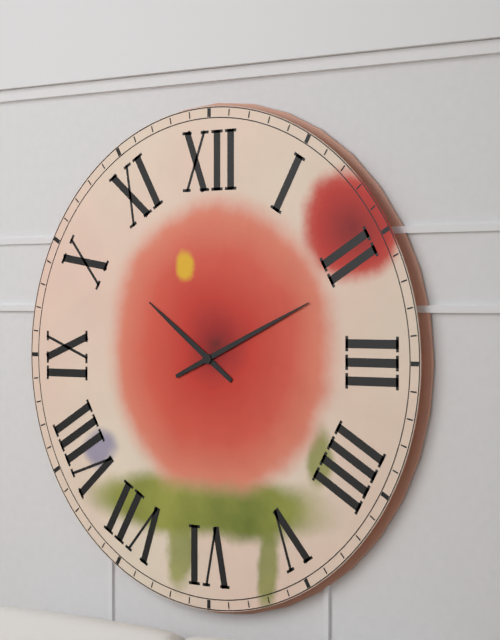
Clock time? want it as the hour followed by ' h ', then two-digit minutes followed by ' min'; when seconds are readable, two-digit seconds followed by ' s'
10 h 11 min
